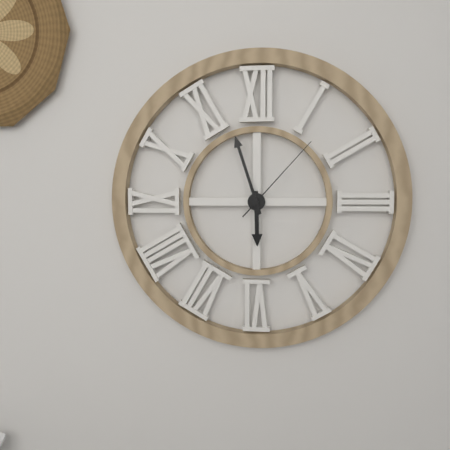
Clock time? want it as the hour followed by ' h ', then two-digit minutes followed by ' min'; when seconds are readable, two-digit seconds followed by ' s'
5 h 57 min 07 s
